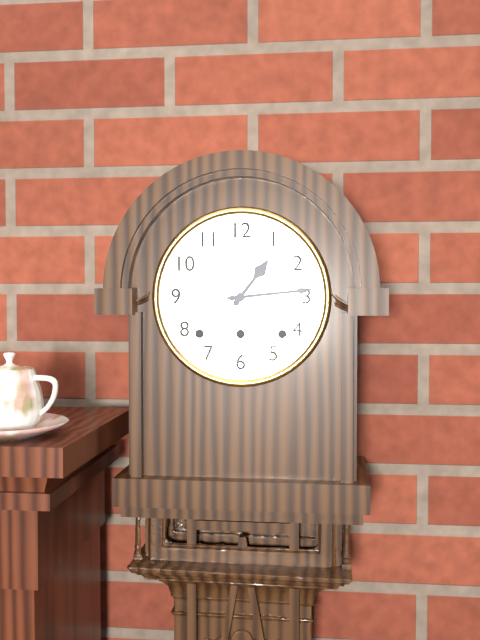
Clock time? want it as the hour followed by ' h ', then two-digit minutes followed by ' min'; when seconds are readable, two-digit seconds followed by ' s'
1 h 14 min
